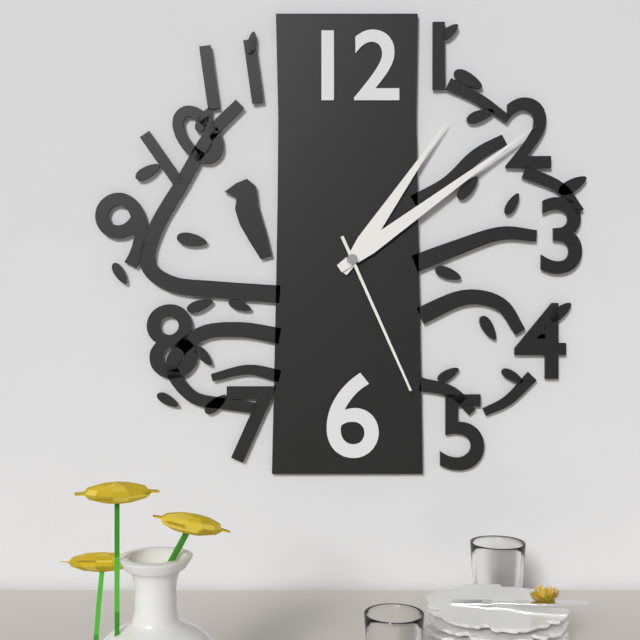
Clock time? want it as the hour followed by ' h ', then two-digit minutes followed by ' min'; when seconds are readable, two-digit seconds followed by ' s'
1 h 09 min 26 s
